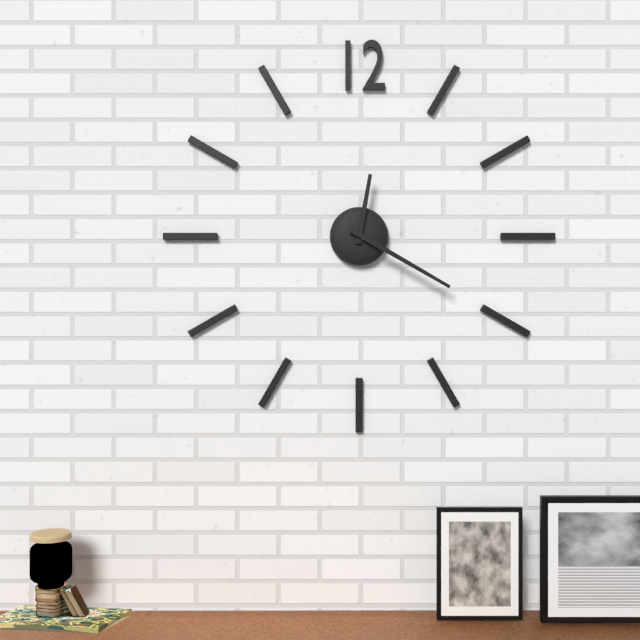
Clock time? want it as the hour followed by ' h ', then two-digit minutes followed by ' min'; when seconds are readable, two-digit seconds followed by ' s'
12 h 20 min
